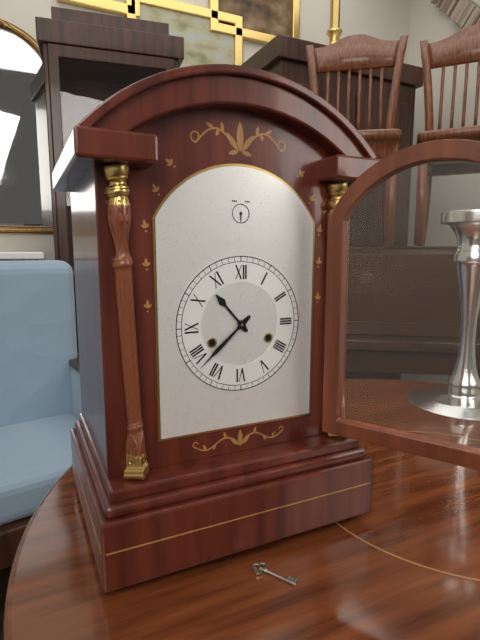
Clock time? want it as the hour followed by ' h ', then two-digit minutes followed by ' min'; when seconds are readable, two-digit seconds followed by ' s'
10 h 38 min
